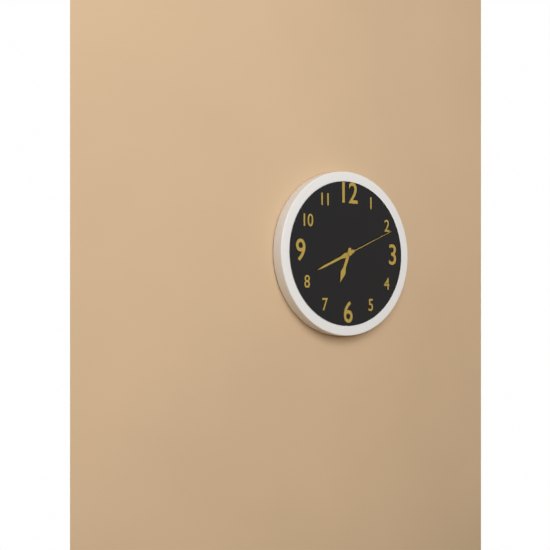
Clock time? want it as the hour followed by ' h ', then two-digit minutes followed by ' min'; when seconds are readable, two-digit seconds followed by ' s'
6 h 41 min 11 s
